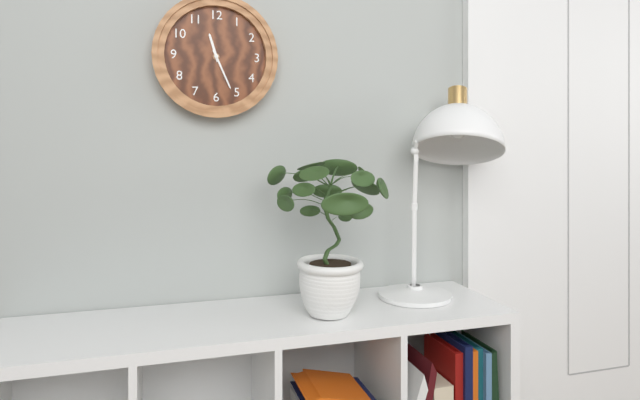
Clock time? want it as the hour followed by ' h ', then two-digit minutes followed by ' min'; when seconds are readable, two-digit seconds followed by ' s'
11 h 26 min
